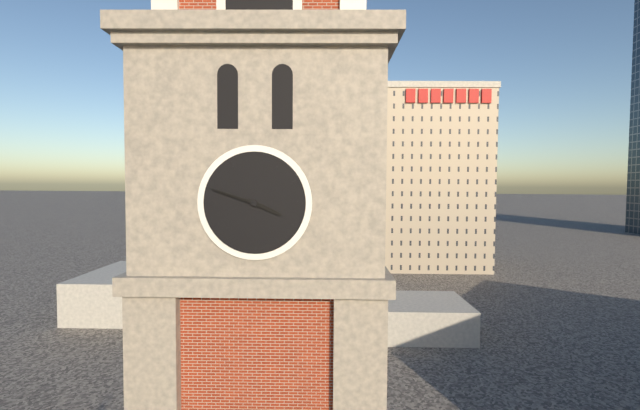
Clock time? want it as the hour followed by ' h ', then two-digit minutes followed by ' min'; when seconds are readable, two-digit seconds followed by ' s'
3 h 48 min
